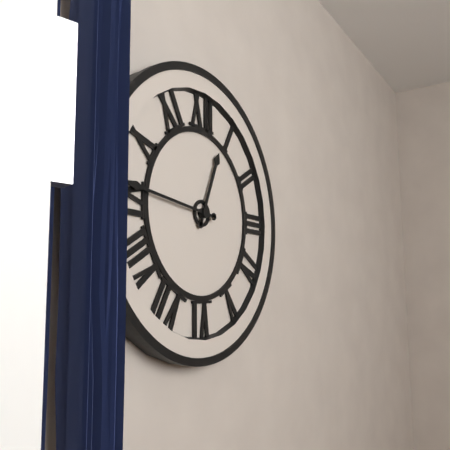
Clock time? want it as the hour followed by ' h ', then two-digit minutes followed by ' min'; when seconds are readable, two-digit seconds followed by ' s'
12 h 46 min
